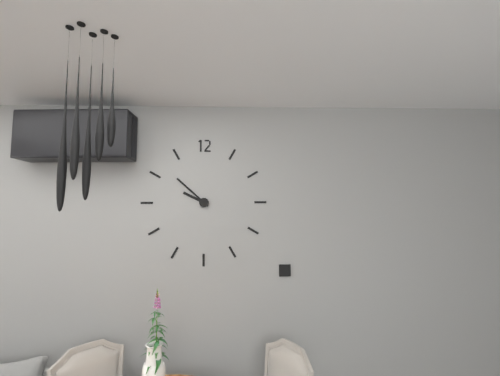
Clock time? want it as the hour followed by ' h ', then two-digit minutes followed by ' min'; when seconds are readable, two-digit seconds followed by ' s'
9 h 52 min
